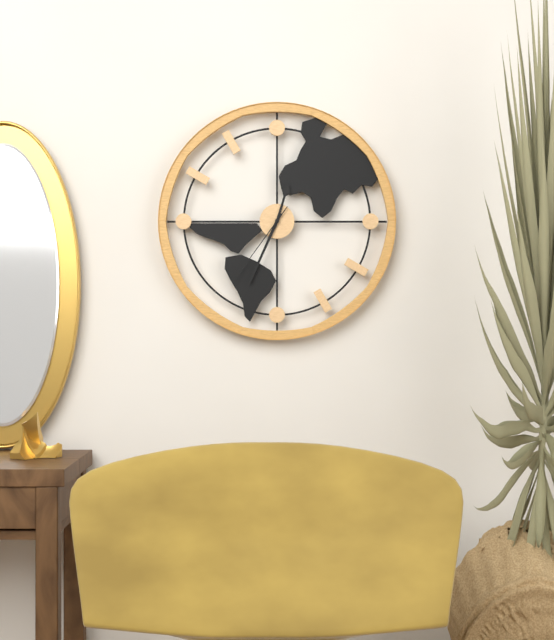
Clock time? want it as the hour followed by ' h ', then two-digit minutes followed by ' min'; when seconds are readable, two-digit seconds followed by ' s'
12 h 34 min 36 s
